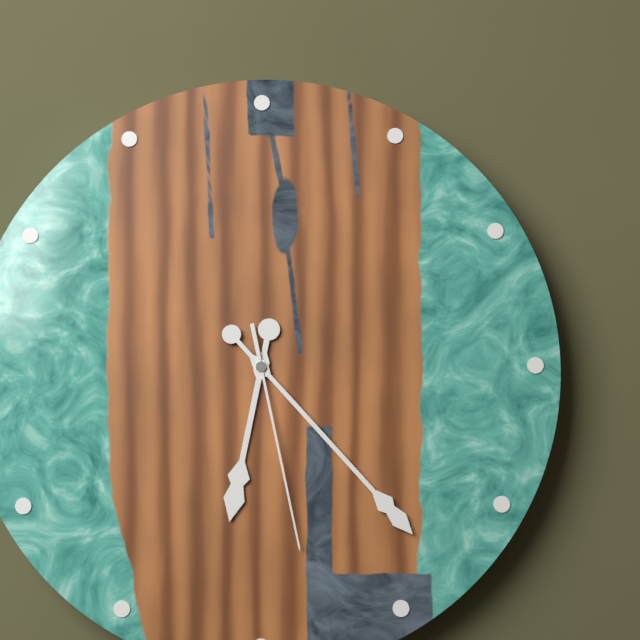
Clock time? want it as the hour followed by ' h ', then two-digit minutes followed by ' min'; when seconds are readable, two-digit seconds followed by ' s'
6 h 23 min 28 s
